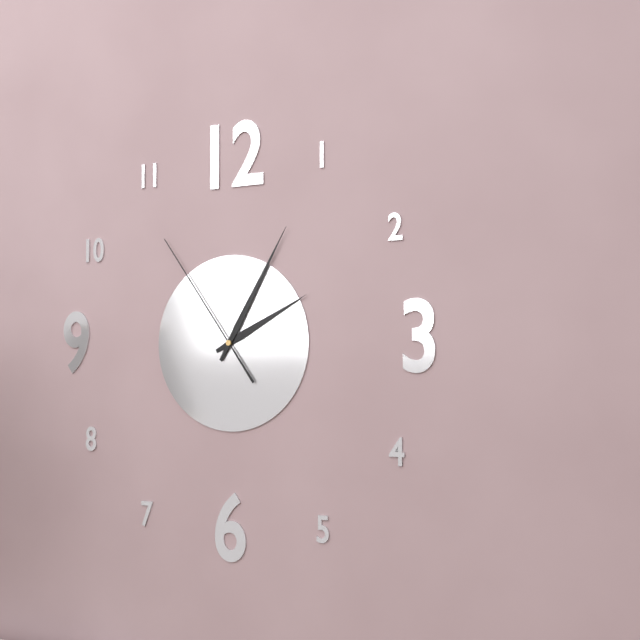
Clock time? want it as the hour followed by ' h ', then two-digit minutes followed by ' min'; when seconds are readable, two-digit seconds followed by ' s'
2 h 05 min 54 s
